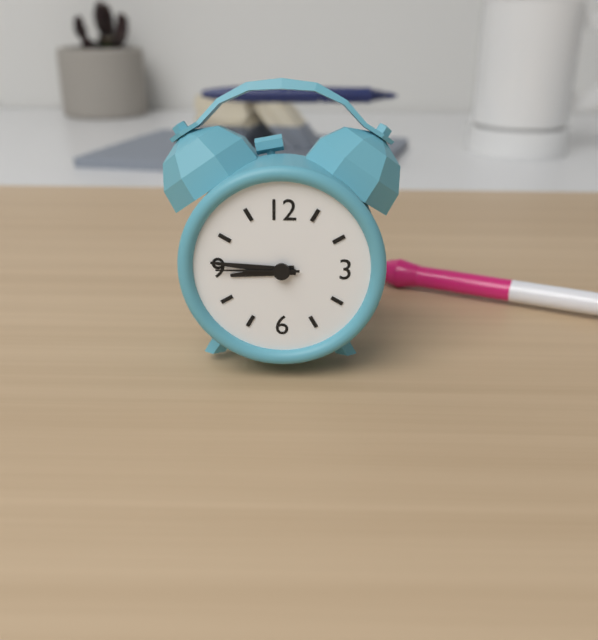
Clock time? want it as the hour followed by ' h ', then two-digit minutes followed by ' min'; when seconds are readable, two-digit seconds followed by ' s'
8 h 46 min 45 s
